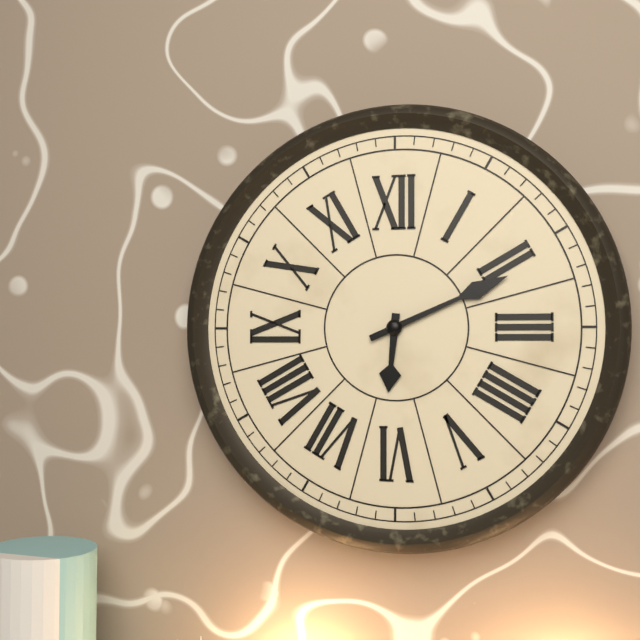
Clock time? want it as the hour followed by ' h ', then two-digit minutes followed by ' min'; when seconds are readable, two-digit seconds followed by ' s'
6 h 11 min
